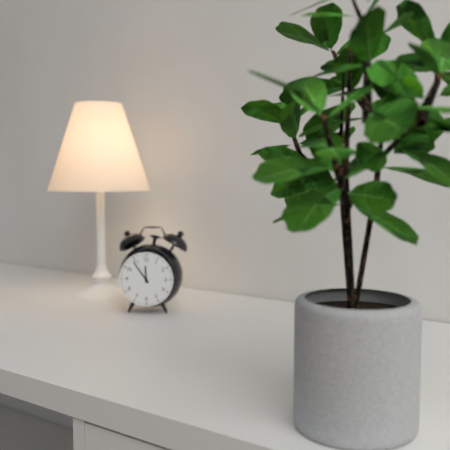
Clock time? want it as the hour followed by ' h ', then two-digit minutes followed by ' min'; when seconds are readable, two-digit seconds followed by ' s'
11 h 54 min
